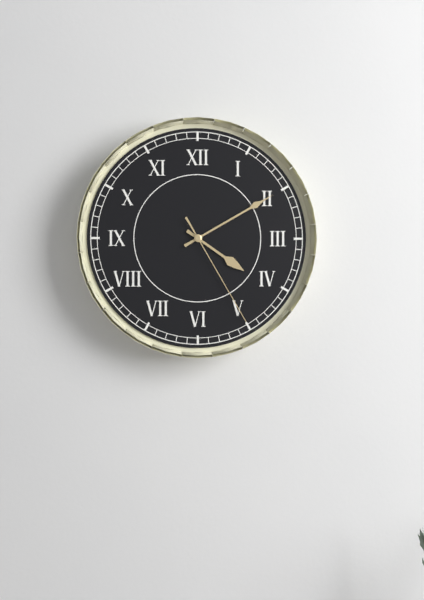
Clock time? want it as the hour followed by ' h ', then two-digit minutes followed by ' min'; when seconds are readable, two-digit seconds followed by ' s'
4 h 10 min 25 s
